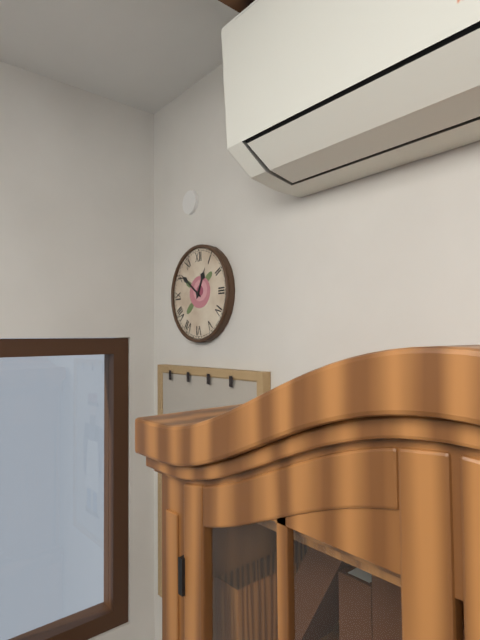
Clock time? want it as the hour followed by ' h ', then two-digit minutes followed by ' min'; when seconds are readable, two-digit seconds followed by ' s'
12 h 51 min
